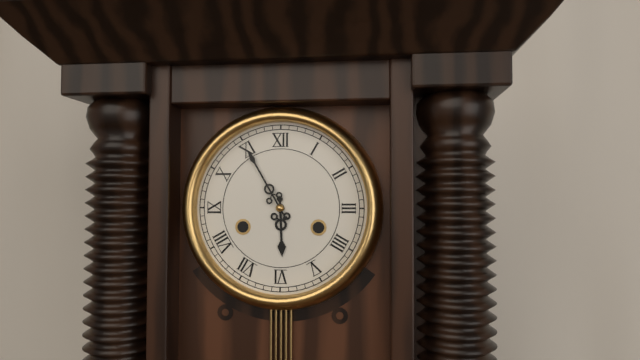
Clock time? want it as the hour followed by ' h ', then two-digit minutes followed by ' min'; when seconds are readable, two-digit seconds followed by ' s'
5 h 55 min
